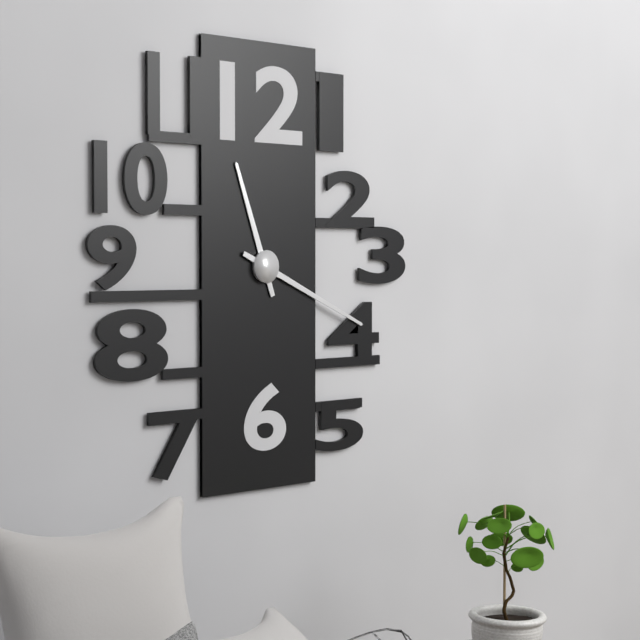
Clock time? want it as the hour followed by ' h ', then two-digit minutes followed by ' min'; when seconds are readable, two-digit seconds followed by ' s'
11 h 19 min
